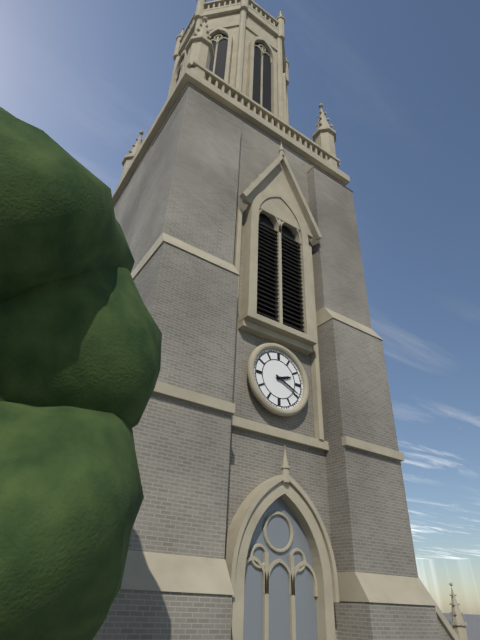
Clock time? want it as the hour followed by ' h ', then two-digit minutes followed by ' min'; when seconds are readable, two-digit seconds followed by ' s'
2 h 19 min
